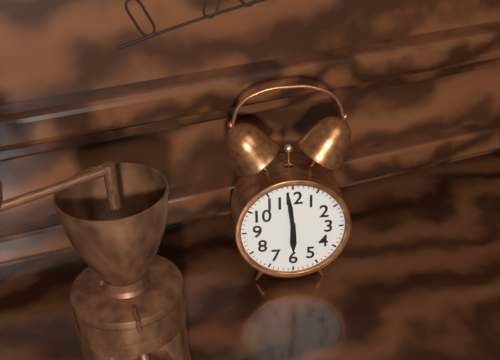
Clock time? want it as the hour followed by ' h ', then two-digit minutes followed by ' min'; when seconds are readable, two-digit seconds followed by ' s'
5 h 59 min
